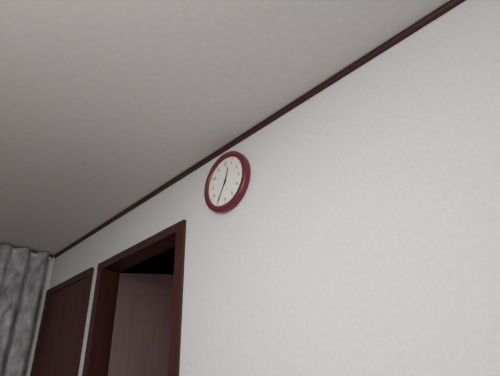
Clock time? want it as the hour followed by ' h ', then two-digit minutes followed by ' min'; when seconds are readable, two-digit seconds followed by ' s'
12 h 35 min
